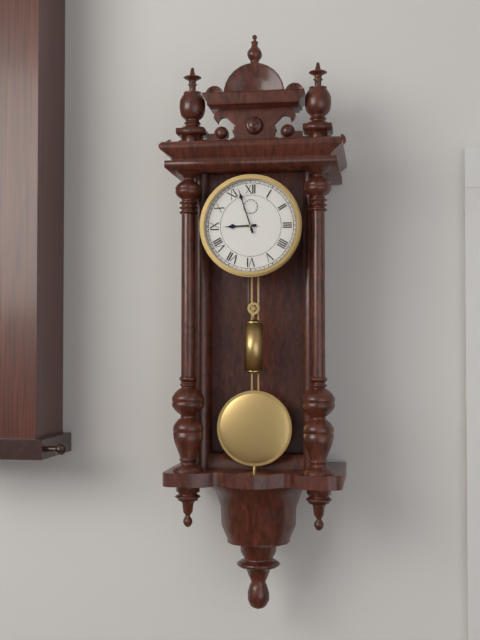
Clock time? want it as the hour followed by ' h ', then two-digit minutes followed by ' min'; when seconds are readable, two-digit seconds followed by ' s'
8 h 57 min
